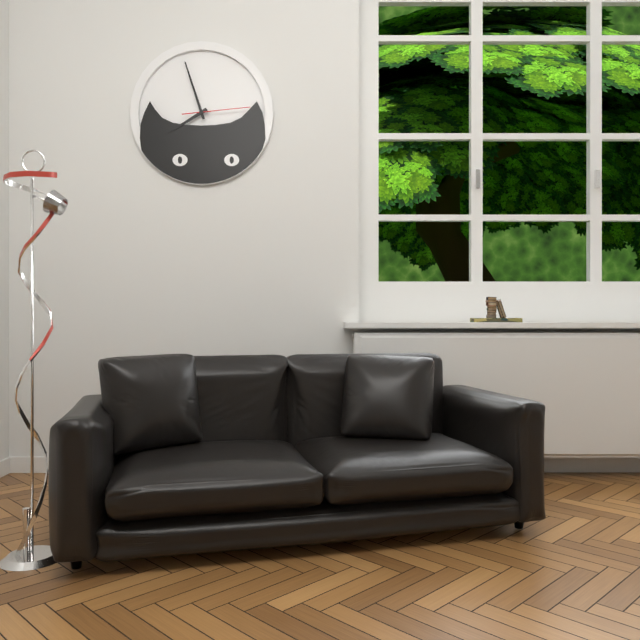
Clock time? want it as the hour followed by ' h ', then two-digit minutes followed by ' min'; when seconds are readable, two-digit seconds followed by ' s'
7 h 57 min 14 s
